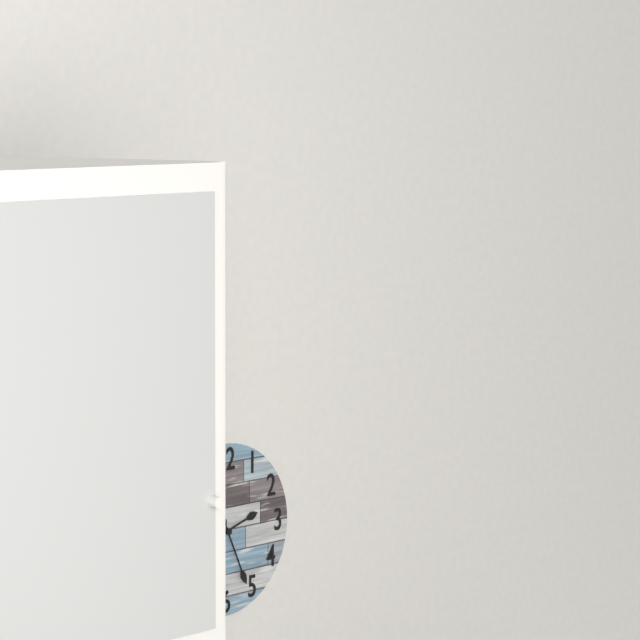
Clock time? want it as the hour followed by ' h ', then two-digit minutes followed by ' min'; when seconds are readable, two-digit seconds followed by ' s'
2 h 26 min
